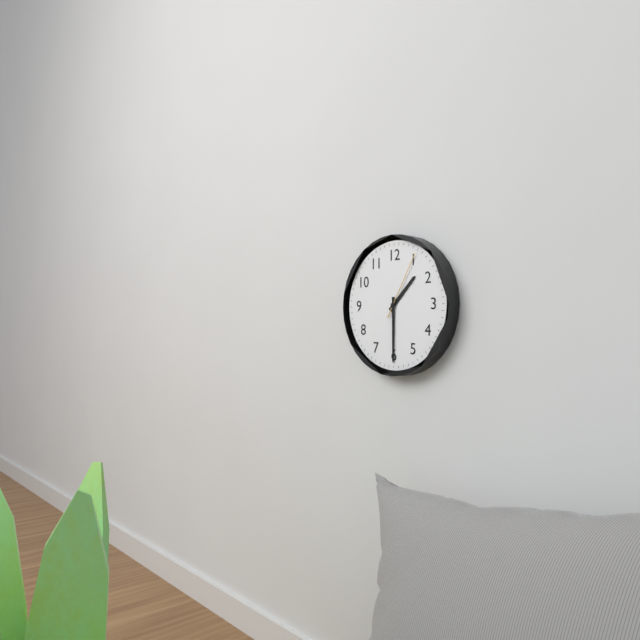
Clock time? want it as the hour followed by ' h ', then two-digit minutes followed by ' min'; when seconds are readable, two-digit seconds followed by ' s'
1 h 30 min 05 s
